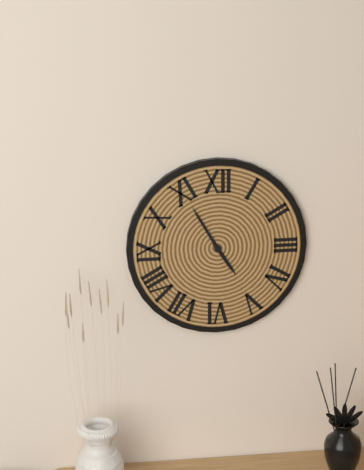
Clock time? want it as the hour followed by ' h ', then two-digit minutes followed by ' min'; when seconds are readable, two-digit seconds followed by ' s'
4 h 55 min
